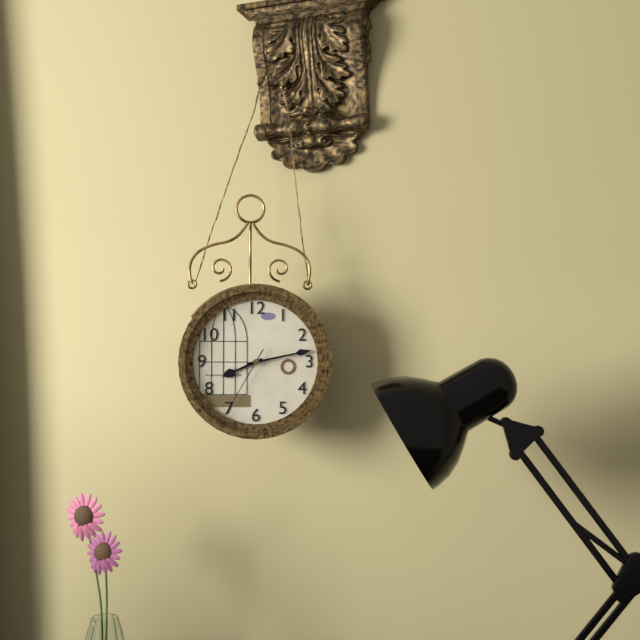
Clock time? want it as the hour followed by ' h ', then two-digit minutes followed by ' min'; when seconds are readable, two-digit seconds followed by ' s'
8 h 13 min 35 s
